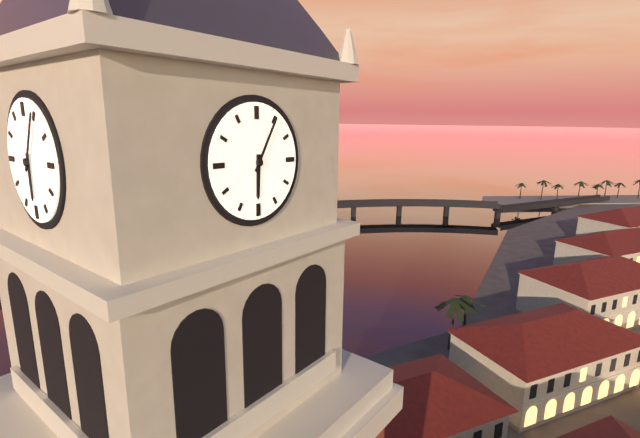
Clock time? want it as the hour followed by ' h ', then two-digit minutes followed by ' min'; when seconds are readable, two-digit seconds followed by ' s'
6 h 05 min
